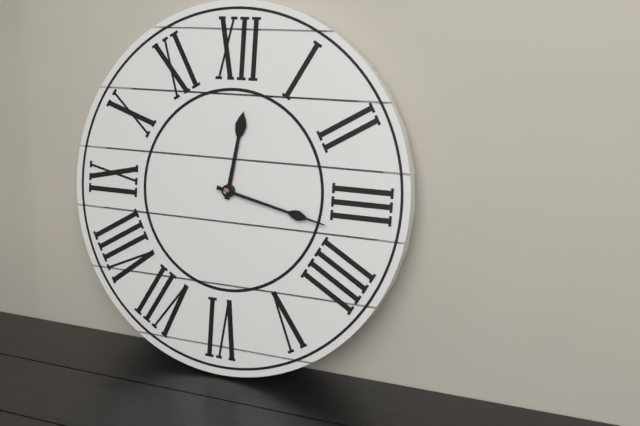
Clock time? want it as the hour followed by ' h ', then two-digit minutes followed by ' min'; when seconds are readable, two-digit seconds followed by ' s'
12 h 17 min
